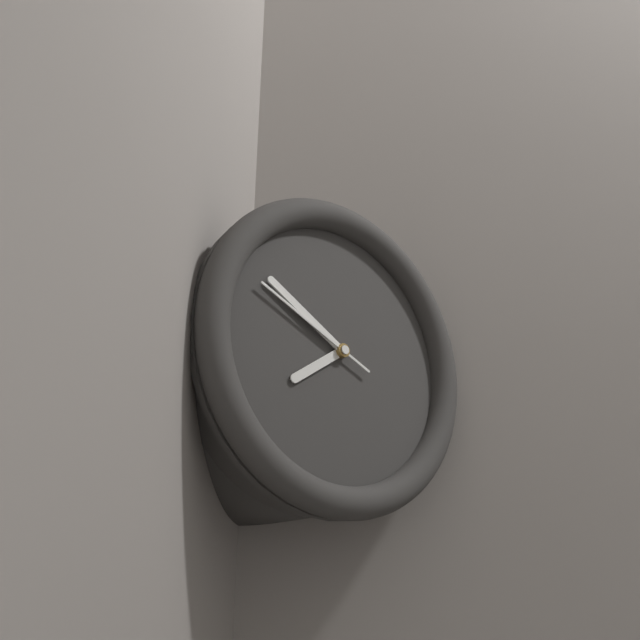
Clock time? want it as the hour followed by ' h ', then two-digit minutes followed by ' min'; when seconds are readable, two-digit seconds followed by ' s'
7 h 50 min 49 s
